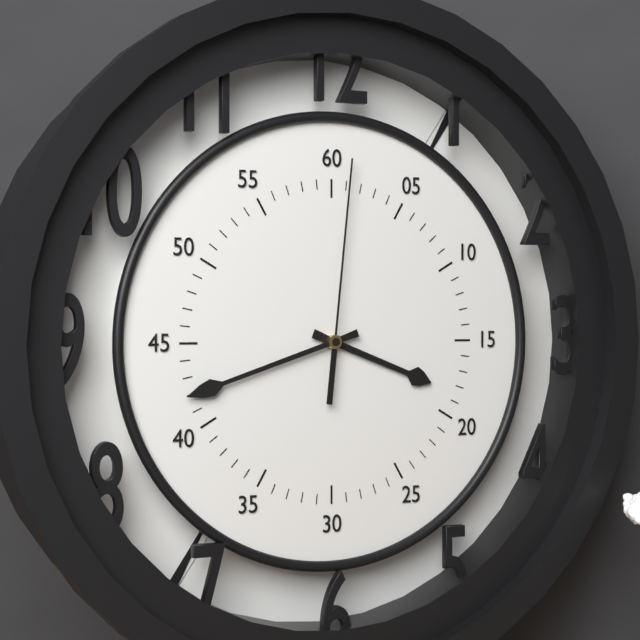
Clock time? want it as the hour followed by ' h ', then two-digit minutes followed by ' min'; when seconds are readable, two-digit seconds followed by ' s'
3 h 42 min 01 s
